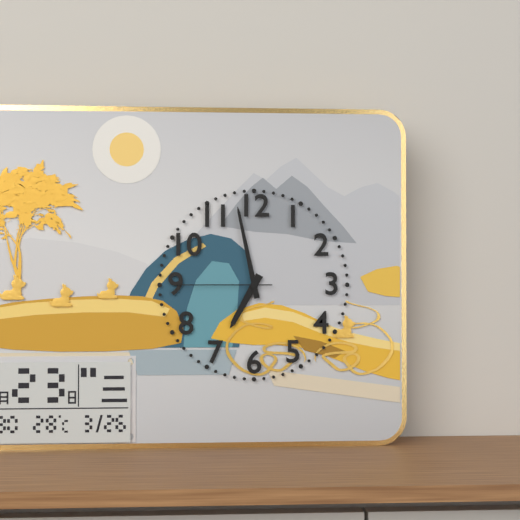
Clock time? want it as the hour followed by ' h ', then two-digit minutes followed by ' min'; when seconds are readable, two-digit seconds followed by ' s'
6 h 58 min 45 s
